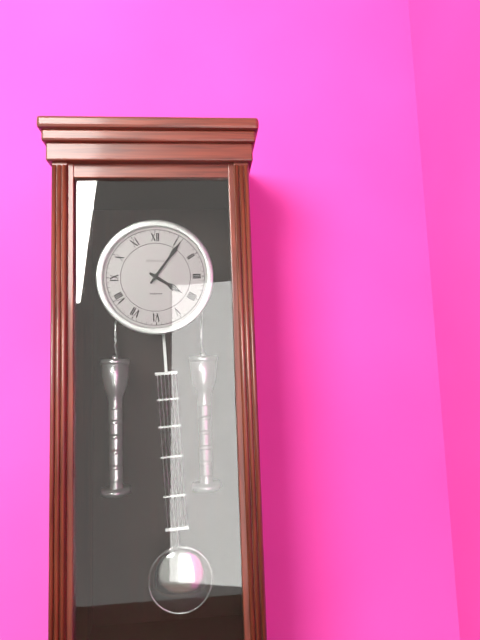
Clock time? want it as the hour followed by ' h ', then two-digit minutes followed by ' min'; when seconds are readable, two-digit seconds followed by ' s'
4 h 06 min
